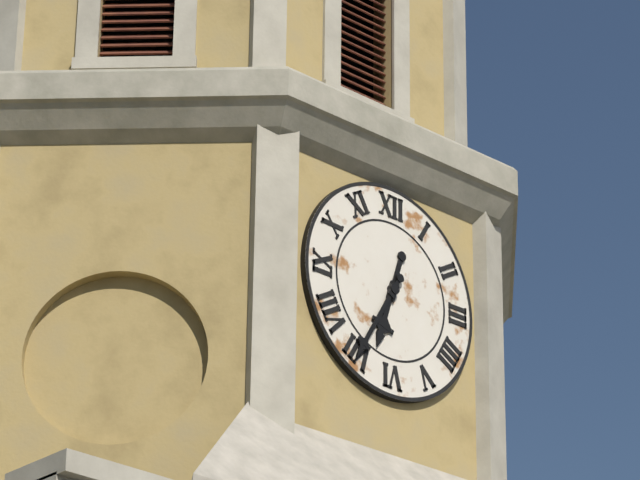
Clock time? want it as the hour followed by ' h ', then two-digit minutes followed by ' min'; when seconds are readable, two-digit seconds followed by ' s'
6 h 35 min
